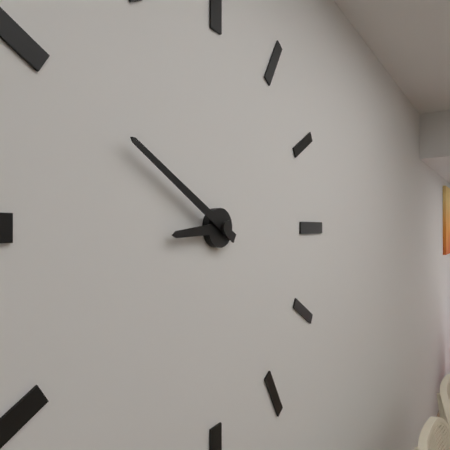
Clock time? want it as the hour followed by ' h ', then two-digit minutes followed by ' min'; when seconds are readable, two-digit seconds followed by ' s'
8 h 50 min
